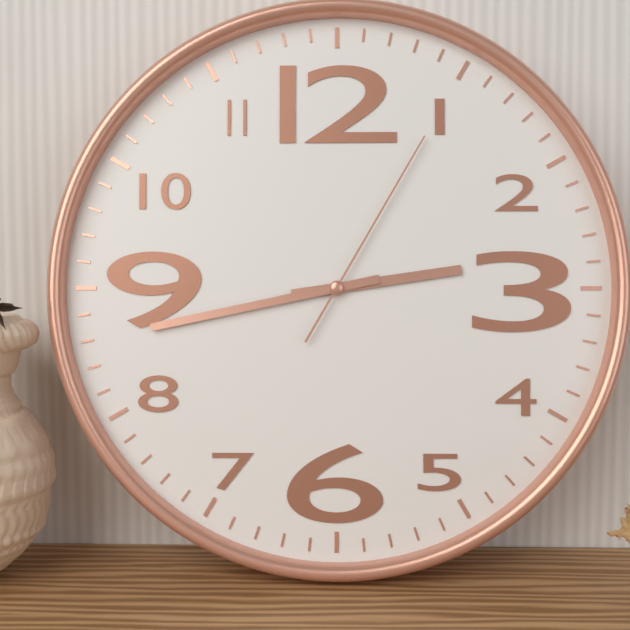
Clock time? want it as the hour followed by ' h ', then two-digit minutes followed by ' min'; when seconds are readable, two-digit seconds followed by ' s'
2 h 43 min 05 s
